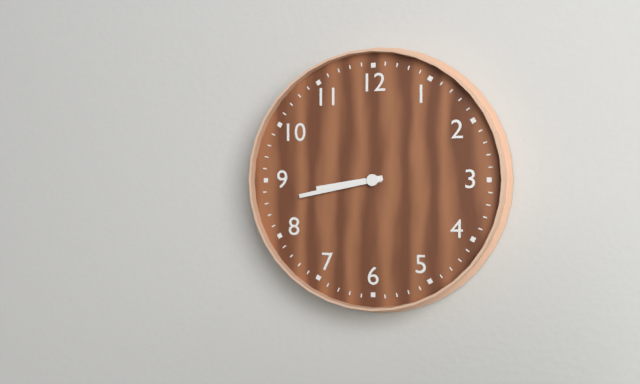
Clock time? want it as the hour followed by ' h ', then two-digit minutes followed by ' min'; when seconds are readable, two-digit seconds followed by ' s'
8 h 43 min
